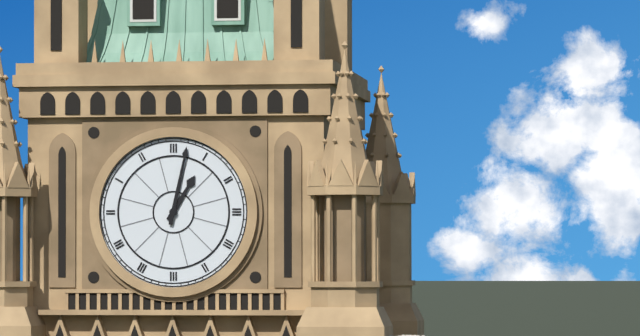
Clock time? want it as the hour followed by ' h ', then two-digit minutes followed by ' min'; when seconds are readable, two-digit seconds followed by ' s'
1 h 02 min
